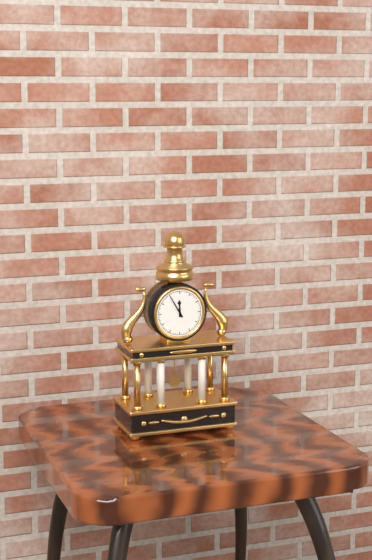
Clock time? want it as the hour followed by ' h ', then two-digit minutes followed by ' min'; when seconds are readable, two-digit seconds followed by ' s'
11 h 55 min
